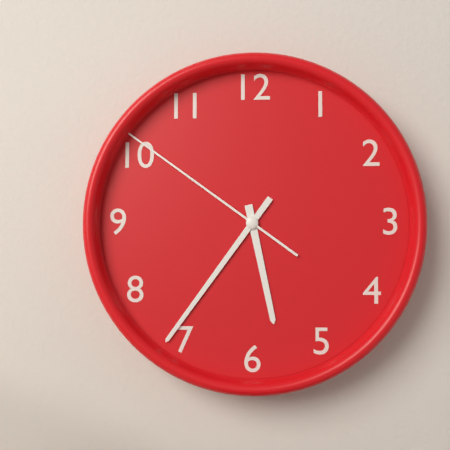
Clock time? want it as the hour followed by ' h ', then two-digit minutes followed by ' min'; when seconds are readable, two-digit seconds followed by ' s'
5 h 36 min 51 s
